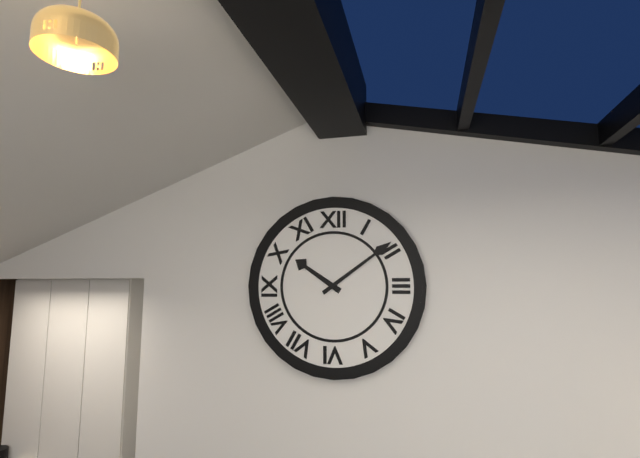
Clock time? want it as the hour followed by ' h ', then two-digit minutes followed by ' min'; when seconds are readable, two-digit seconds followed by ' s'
10 h 09 min
